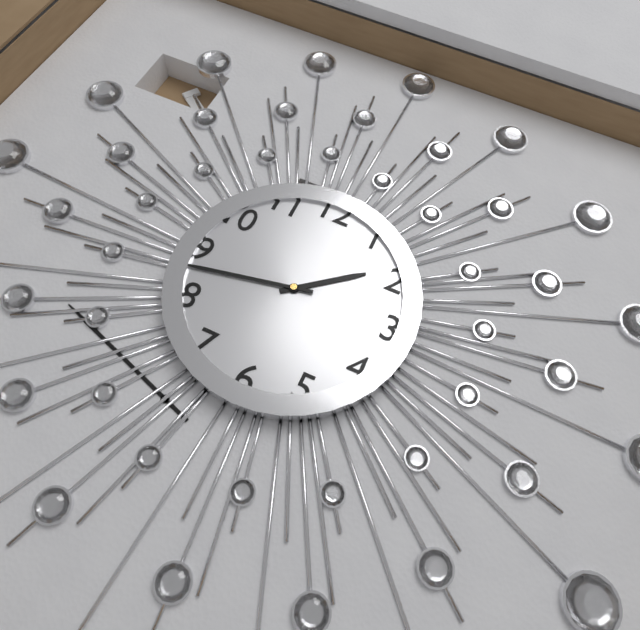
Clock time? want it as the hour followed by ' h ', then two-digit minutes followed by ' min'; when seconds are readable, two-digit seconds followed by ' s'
1 h 43 min
